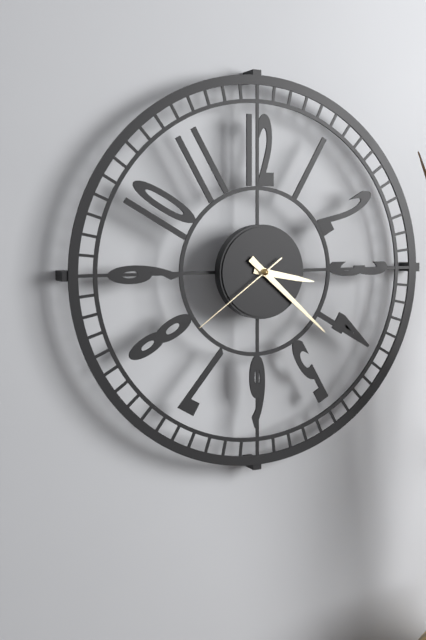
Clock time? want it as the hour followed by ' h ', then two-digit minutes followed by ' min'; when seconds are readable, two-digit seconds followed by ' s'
3 h 22 min 39 s
